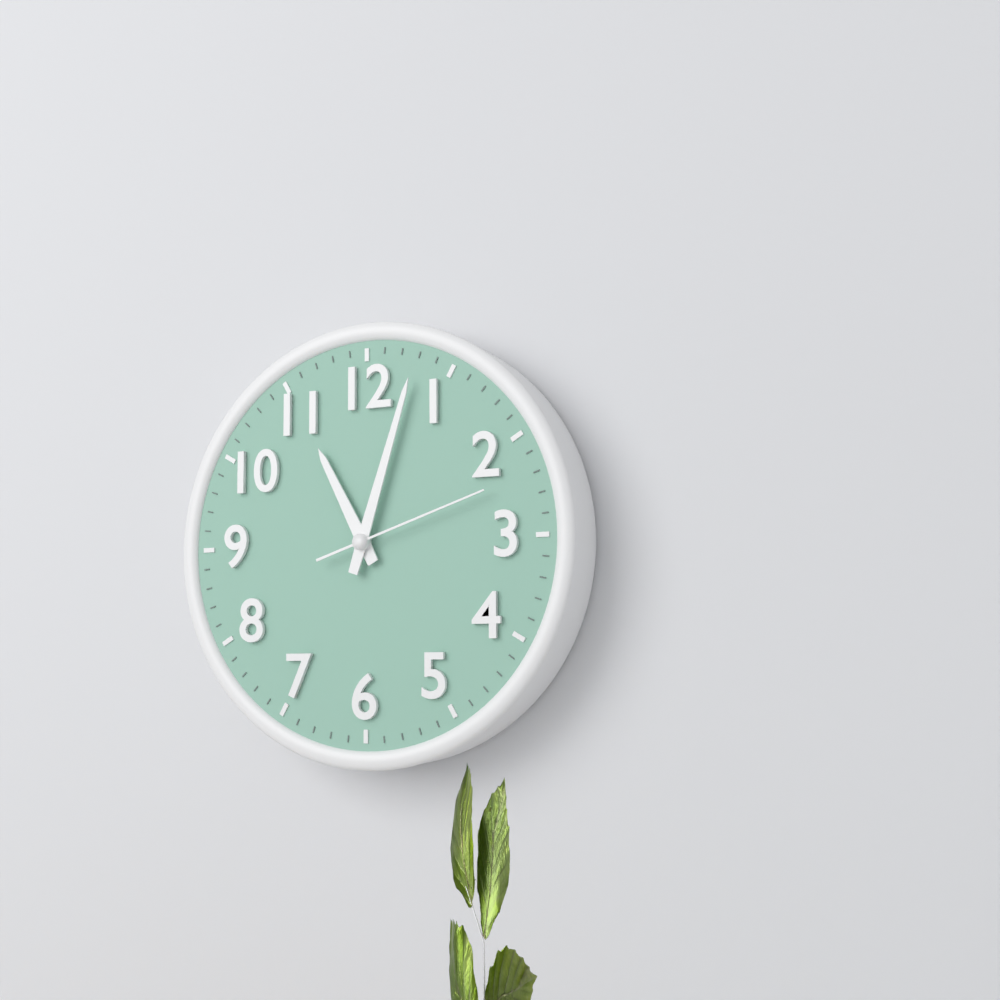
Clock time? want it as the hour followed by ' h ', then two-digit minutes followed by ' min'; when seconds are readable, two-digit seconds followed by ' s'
11 h 03 min 12 s
